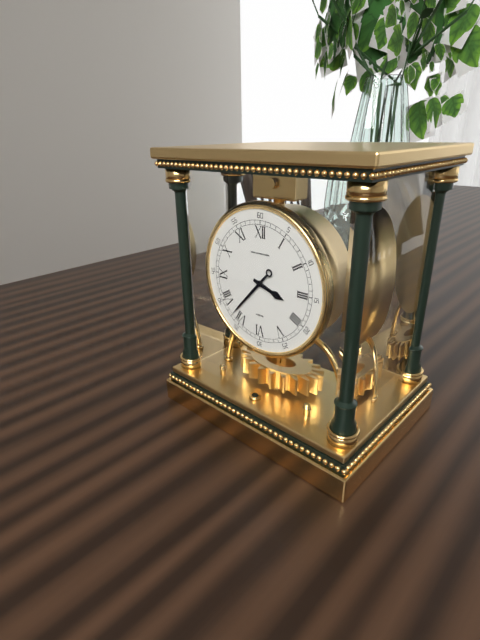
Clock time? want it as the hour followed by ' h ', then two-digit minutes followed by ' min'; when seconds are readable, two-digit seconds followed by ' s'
3 h 37 min
